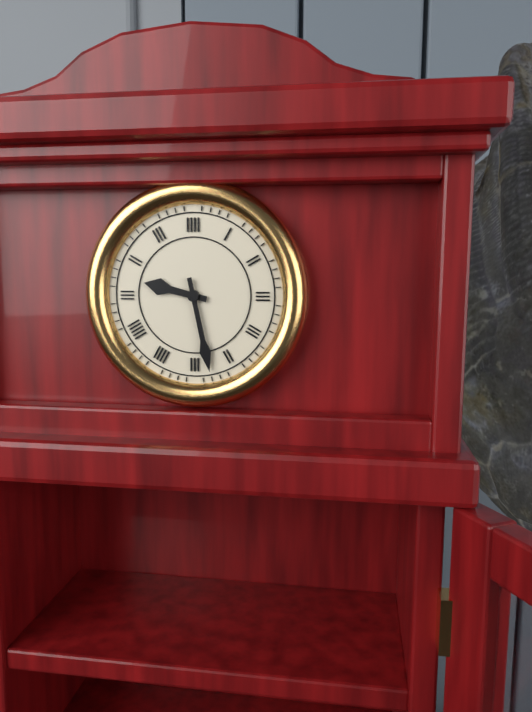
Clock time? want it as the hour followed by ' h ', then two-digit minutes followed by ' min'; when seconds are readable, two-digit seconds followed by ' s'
9 h 28 min
